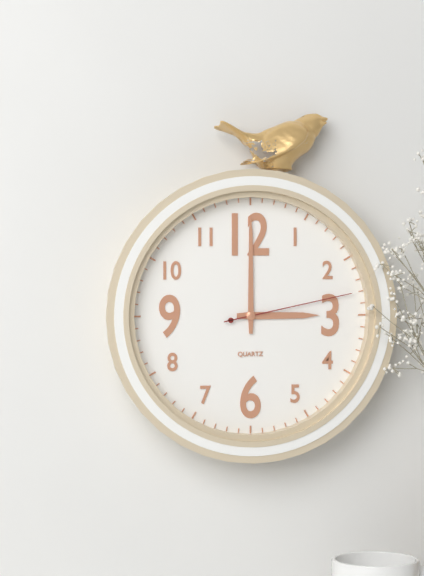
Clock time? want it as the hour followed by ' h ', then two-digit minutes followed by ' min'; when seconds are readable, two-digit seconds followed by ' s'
3 h 00 min 13 s
